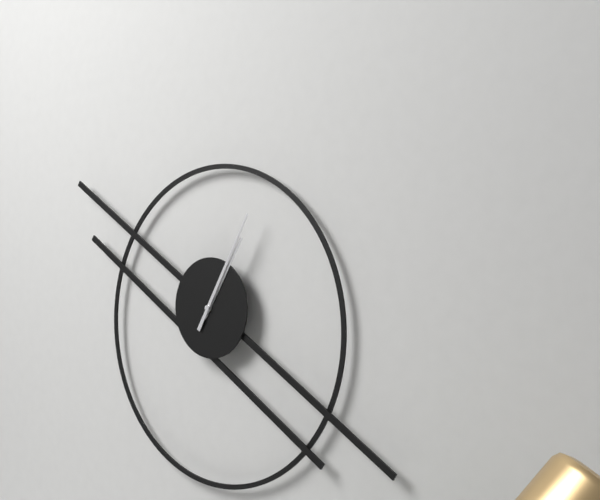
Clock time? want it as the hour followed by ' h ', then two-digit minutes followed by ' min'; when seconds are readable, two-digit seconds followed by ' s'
1 h 05 min
